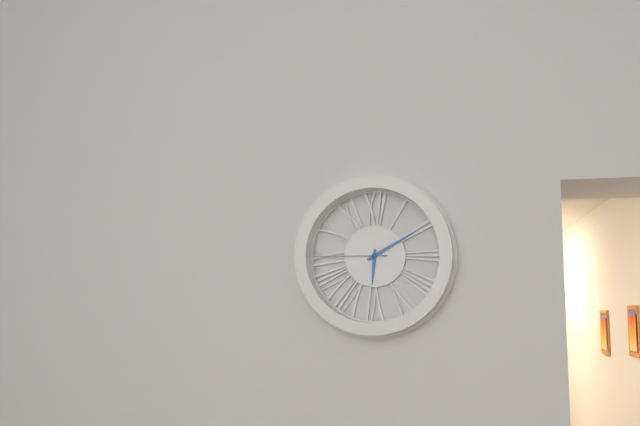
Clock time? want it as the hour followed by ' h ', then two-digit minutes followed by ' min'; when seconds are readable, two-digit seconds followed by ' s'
6 h 10 min 45 s
